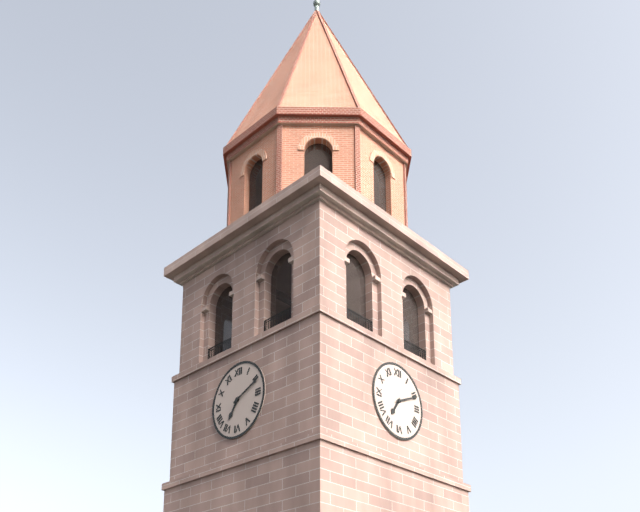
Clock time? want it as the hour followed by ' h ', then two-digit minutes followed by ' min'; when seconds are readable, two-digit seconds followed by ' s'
7 h 11 min
